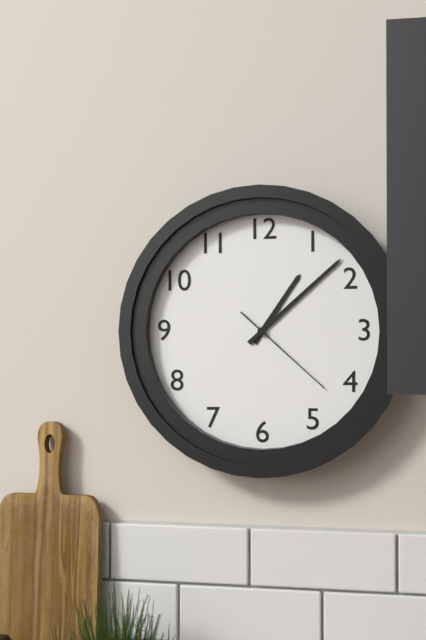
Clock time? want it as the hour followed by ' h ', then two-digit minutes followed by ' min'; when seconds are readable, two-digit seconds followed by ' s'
1 h 08 min 22 s
